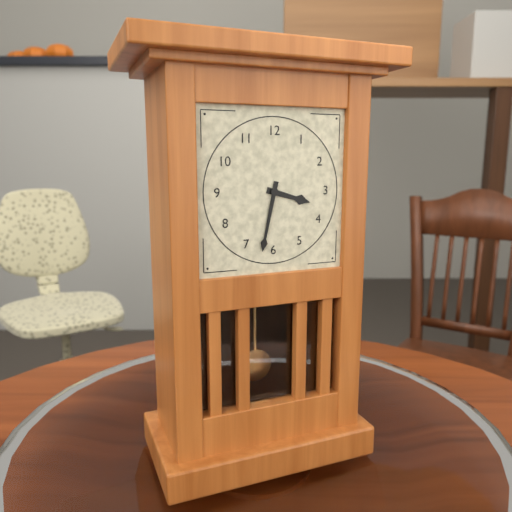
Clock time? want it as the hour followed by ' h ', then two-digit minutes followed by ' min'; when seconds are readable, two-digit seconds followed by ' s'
3 h 32 min
